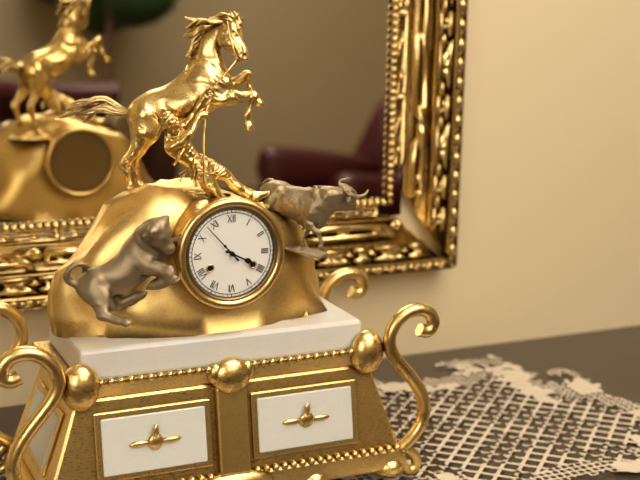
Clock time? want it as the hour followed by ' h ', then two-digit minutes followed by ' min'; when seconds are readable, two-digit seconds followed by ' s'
3 h 53 min
